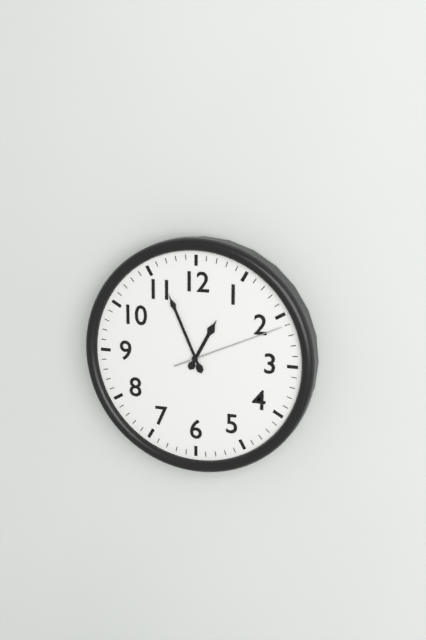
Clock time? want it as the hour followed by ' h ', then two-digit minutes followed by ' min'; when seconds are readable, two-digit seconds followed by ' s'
12 h 56 min 11 s
